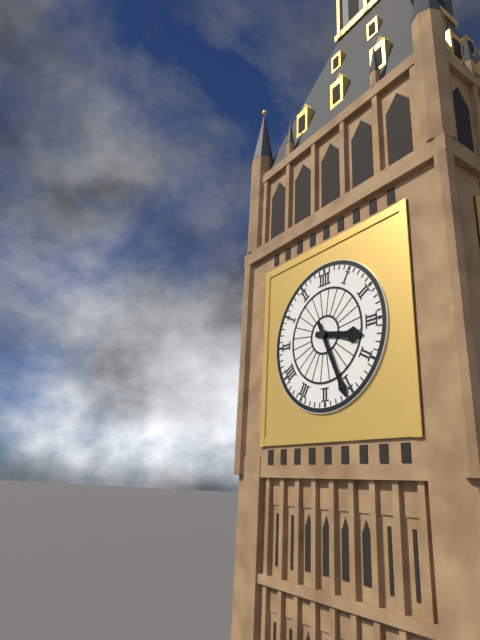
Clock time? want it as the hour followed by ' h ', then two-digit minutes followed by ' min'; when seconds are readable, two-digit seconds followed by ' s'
3 h 26 min
